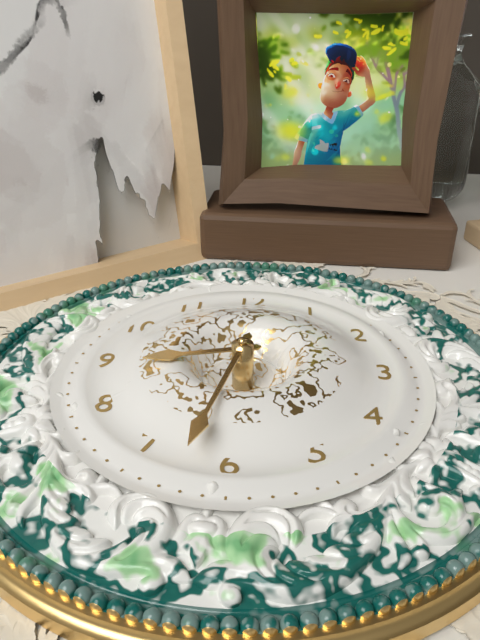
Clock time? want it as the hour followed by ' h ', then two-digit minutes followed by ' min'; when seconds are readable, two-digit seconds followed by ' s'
8 h 32 min
